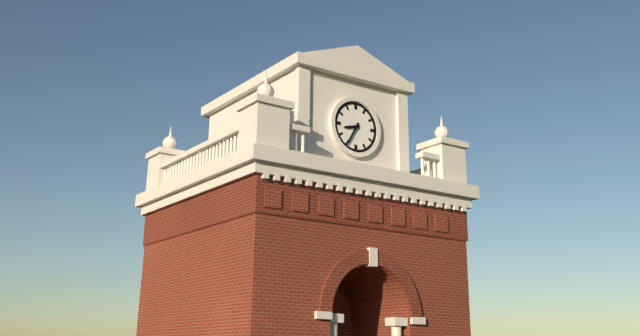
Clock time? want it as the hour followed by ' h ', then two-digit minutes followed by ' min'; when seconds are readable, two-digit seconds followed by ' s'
8 h 35 min
